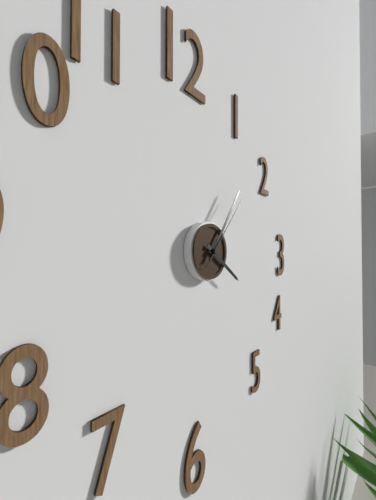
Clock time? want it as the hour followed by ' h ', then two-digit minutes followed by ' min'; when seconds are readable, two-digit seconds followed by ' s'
4 h 06 min 07 s
